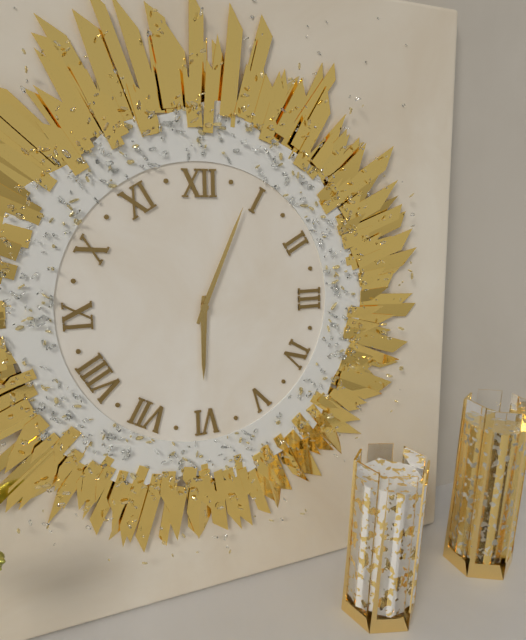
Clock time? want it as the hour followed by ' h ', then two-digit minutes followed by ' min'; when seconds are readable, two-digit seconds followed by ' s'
6 h 04 min
